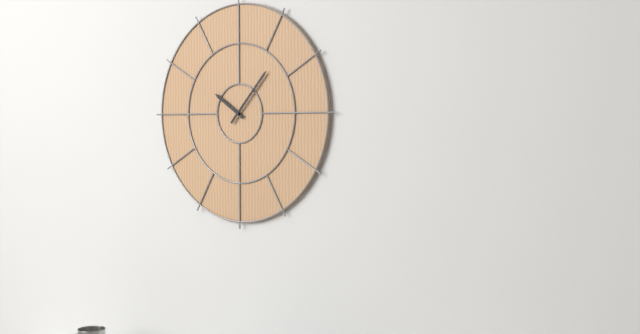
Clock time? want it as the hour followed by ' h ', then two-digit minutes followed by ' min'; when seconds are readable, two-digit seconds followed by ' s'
10 h 07 min
